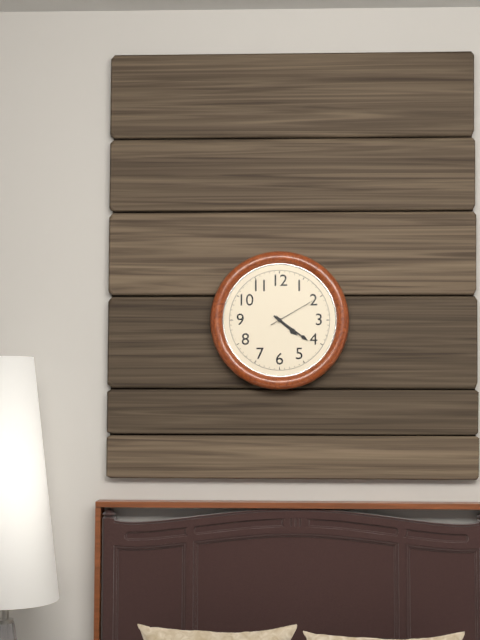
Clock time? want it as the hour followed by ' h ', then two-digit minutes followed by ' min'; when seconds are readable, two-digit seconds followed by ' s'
4 h 21 min
